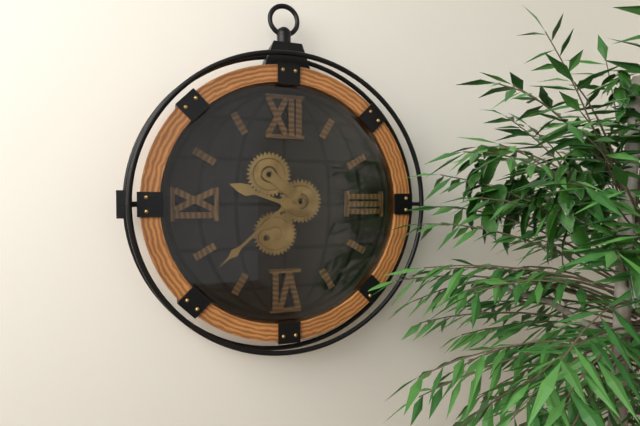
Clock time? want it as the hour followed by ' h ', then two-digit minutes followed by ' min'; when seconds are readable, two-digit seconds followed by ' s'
9 h 38 min
